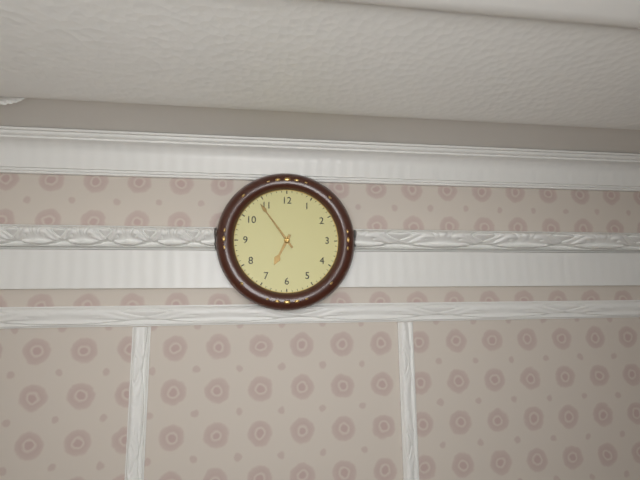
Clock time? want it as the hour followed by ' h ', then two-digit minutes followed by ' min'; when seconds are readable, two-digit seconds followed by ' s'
6 h 54 min
